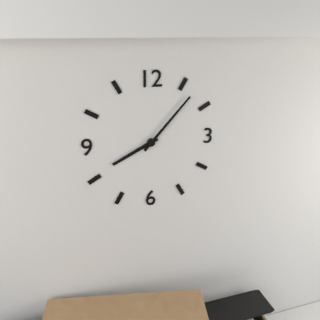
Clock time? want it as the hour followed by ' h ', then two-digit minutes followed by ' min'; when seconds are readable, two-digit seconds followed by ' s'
8 h 07 min
